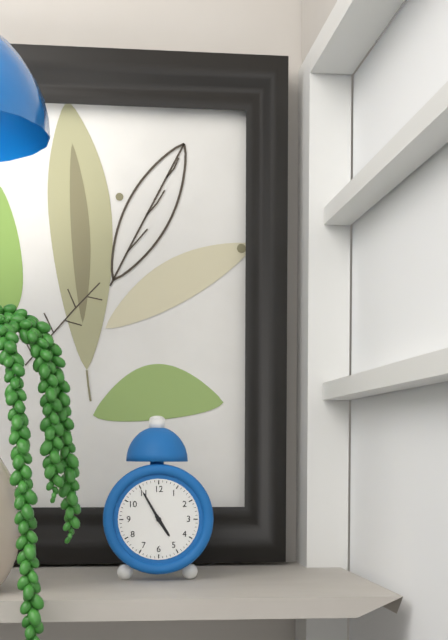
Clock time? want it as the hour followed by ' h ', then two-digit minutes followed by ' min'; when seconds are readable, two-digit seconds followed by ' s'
4 h 55 min
